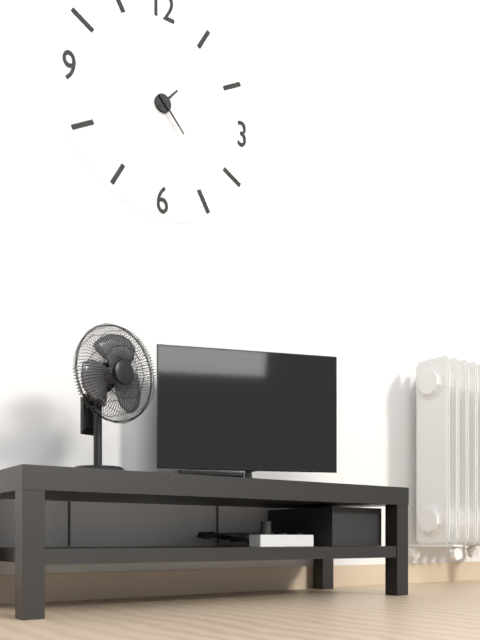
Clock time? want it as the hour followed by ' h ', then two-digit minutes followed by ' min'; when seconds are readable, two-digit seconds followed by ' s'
1 h 23 min
